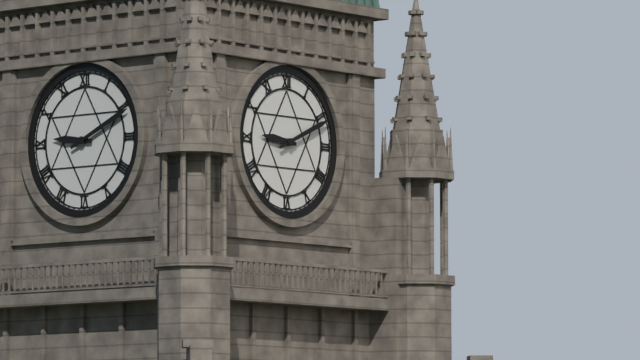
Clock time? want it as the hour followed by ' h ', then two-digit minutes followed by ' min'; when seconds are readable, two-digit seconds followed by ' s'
9 h 11 min
